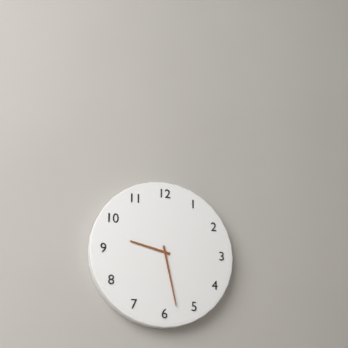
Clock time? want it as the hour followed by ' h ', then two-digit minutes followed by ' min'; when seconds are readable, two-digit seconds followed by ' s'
9 h 28 min
